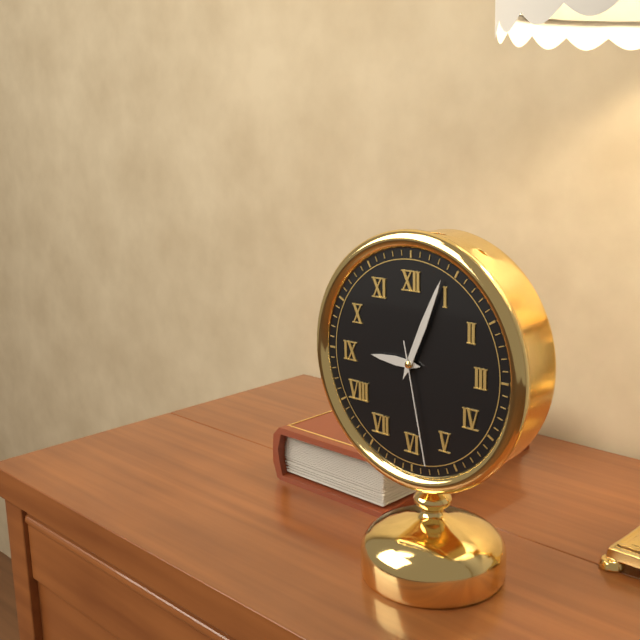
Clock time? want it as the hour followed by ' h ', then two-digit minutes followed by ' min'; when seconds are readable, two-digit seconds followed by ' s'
9 h 04 min 28 s
